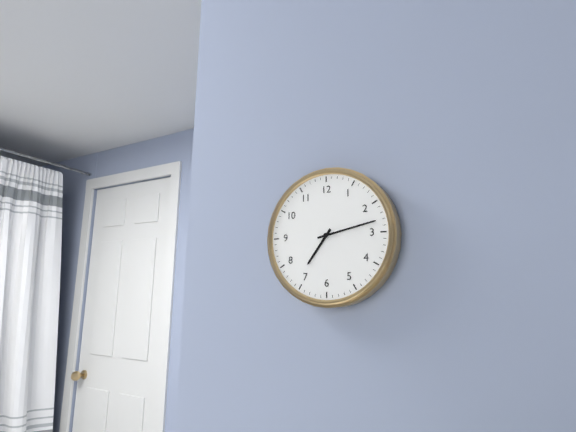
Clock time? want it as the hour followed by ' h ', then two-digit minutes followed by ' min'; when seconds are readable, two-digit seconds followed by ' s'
7 h 13 min
